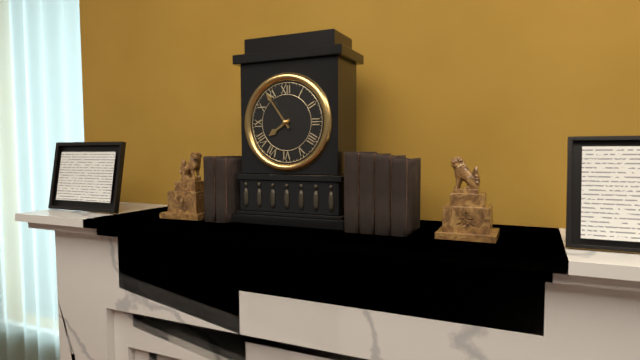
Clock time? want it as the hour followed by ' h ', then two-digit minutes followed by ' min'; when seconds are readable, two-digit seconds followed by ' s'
7 h 54 min
